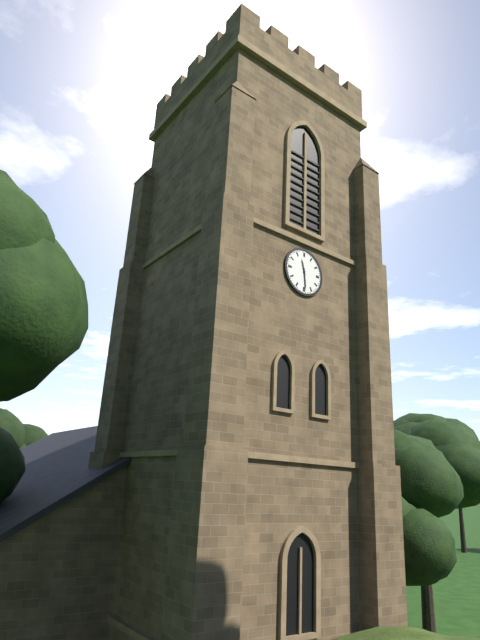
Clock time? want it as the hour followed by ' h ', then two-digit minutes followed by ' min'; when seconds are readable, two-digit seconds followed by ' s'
11 h 29 min
